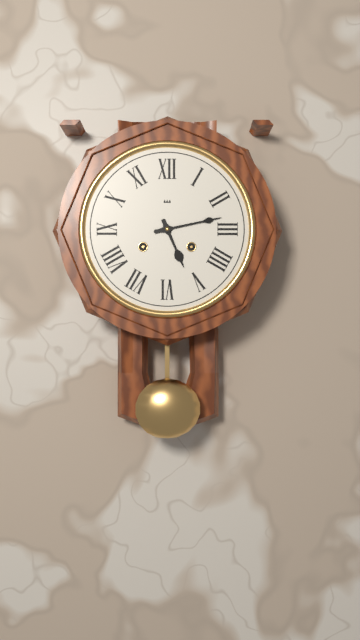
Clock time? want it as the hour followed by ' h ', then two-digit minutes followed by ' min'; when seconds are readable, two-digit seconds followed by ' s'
5 h 13 min
